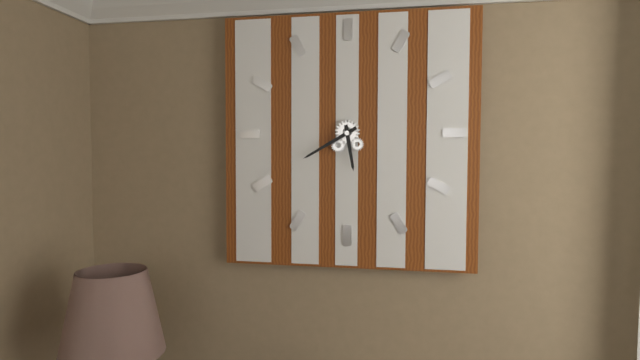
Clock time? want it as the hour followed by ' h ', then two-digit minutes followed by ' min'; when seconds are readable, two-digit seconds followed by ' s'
5 h 40 min
